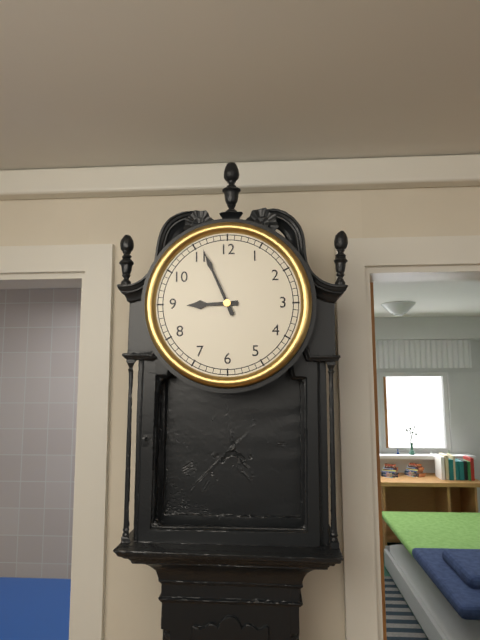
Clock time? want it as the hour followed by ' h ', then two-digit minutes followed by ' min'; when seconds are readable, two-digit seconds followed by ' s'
8 h 56 min
